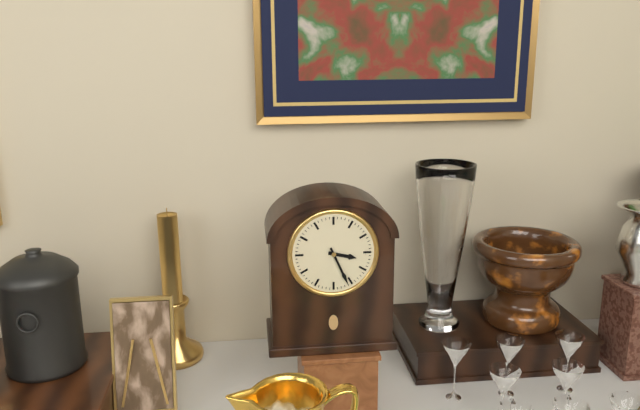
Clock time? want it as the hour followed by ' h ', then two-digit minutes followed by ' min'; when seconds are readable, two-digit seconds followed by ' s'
3 h 26 min
